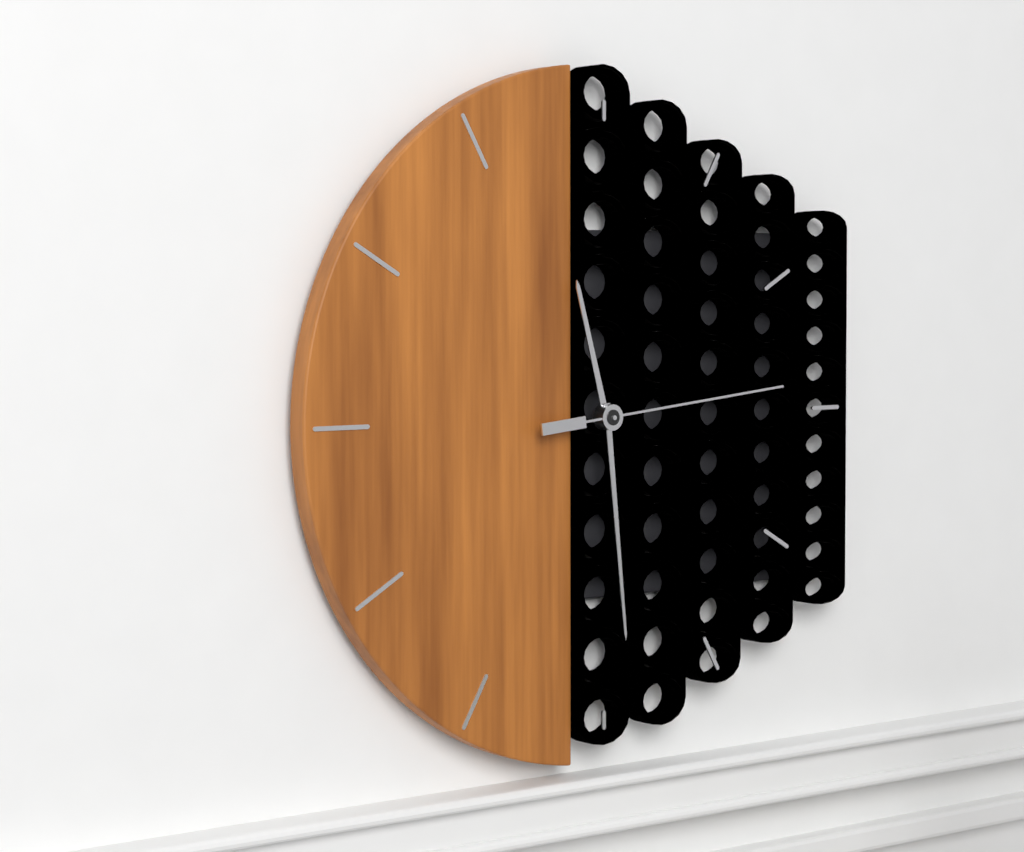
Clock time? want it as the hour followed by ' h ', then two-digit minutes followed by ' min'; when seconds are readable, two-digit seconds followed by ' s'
11 h 29 min 14 s
